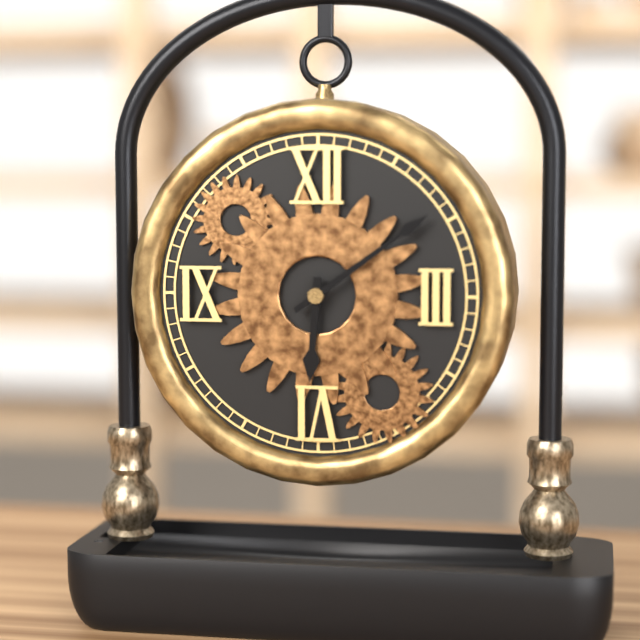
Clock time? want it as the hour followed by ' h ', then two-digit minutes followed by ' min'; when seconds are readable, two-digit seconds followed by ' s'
6 h 09 min
